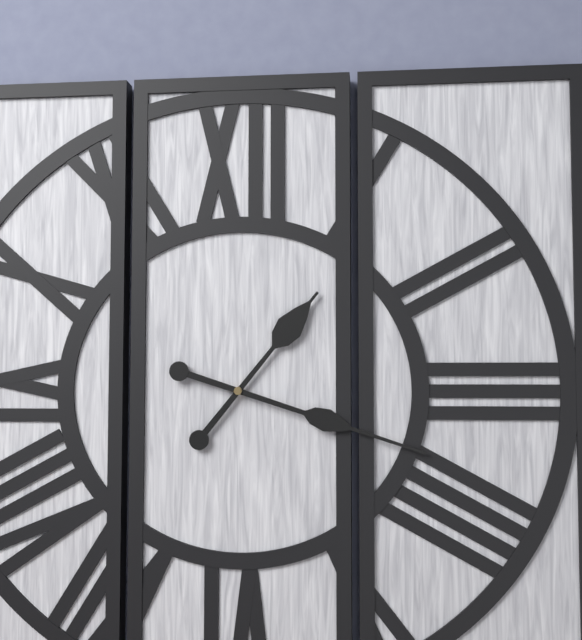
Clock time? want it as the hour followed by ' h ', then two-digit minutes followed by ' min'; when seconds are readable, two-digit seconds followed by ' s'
1 h 18 min
